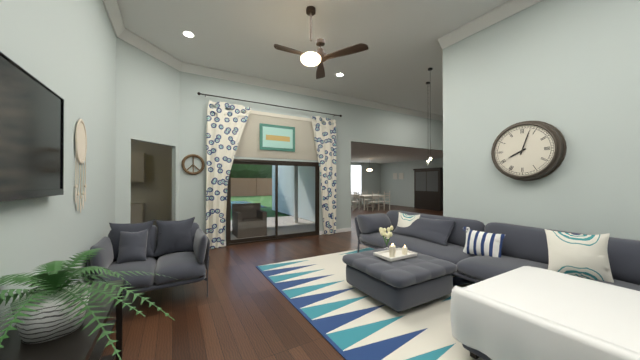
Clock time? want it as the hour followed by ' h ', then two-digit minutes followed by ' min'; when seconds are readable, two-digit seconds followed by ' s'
8 h 03 min
